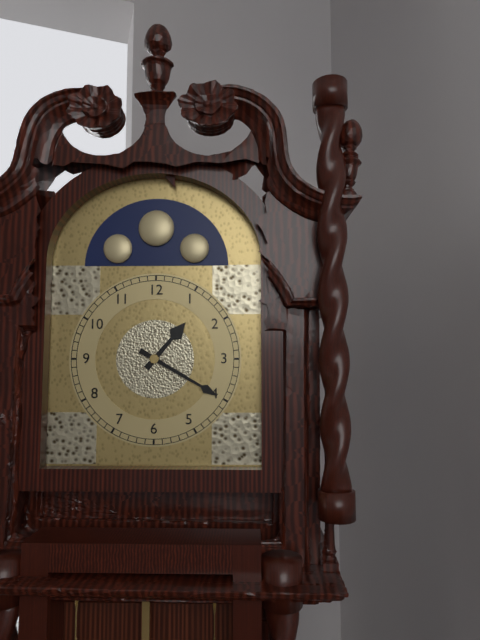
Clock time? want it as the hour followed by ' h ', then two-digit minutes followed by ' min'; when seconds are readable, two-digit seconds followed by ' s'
1 h 20 min
